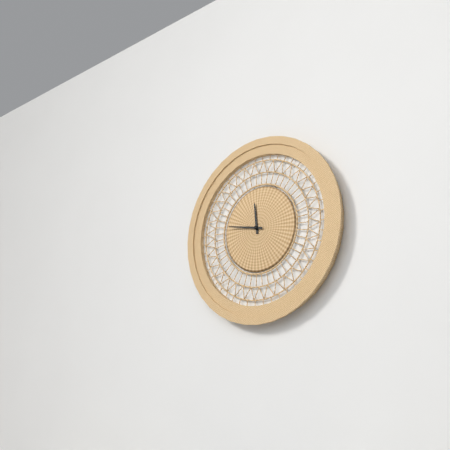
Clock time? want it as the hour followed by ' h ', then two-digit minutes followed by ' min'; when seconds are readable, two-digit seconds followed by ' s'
11 h 47 min
